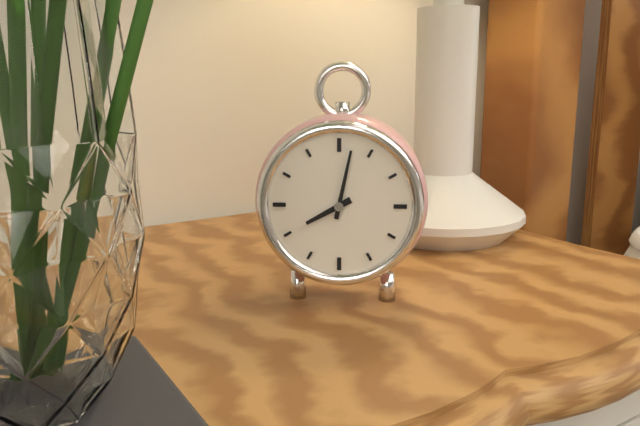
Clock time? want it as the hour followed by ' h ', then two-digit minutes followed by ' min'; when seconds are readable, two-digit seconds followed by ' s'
8 h 02 min
